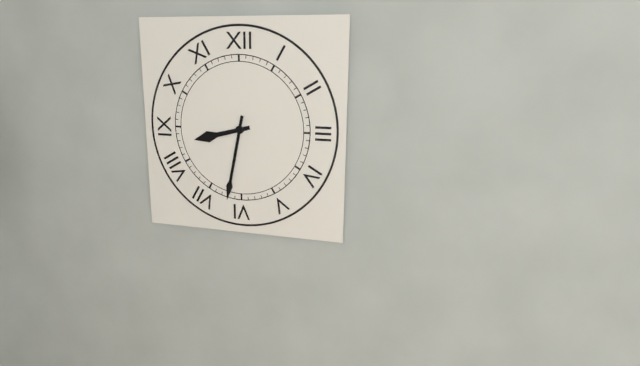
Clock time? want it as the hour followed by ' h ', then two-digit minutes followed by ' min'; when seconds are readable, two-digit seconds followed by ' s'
8 h 32 min
